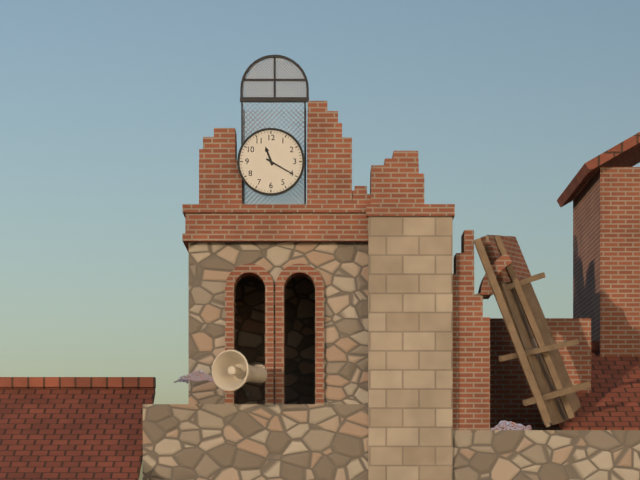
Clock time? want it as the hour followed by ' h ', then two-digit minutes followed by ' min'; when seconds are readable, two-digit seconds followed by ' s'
11 h 20 min
